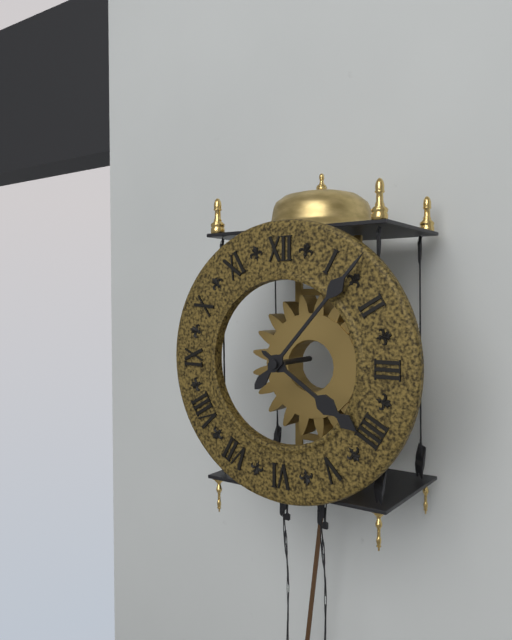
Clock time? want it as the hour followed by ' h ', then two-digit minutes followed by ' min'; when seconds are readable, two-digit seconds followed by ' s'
4 h 07 min
